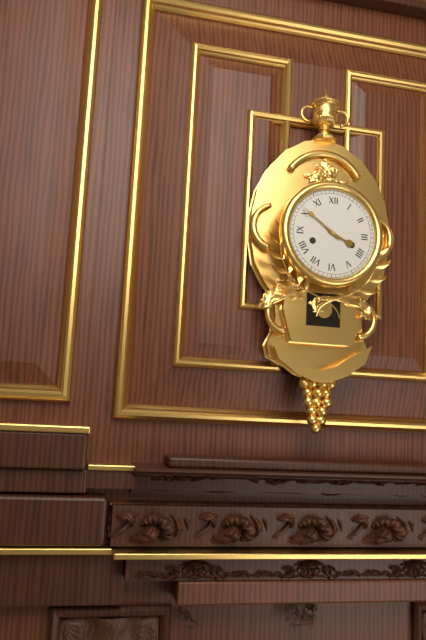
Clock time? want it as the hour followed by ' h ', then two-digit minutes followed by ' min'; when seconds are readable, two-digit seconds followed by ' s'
3 h 51 min
